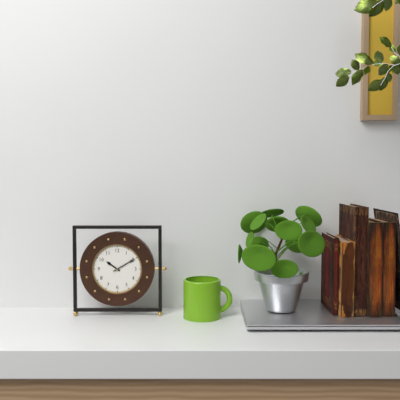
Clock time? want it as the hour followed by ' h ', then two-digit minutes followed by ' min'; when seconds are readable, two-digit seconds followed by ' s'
10 h 10 min
